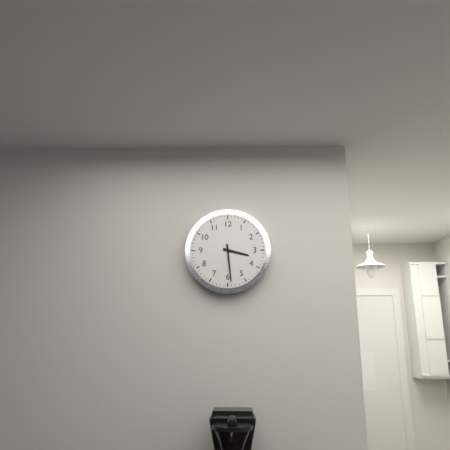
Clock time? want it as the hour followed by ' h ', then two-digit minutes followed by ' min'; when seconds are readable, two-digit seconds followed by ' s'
3 h 29 min
